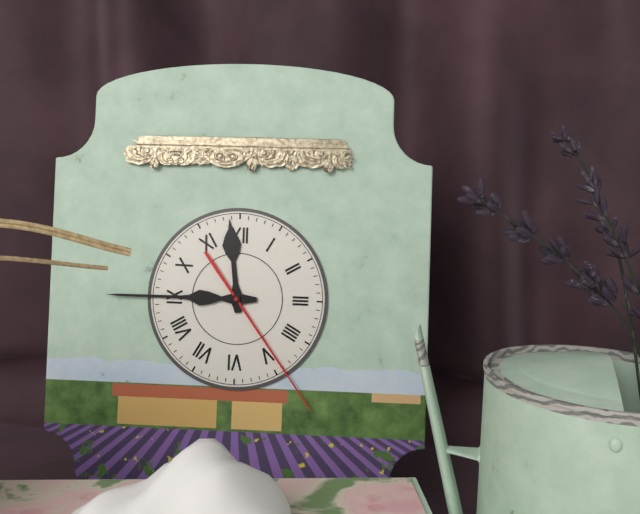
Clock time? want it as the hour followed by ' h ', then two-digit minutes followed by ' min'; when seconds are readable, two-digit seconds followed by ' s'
11 h 45 min 24 s
